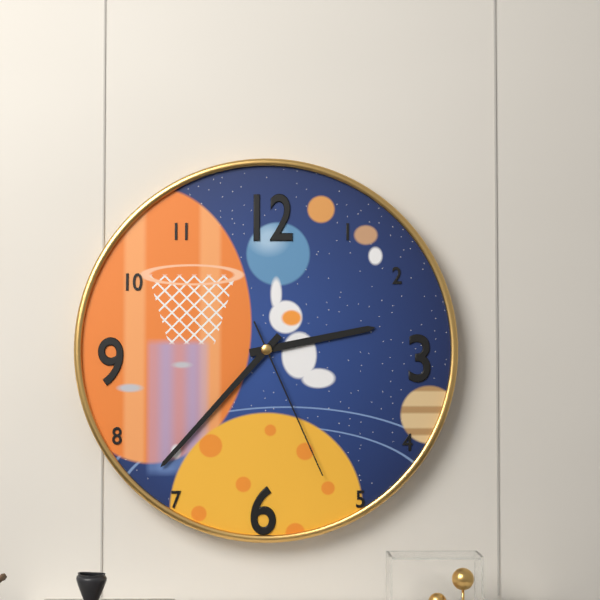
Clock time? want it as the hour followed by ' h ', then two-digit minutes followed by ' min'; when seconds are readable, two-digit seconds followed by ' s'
2 h 37 min 26 s
